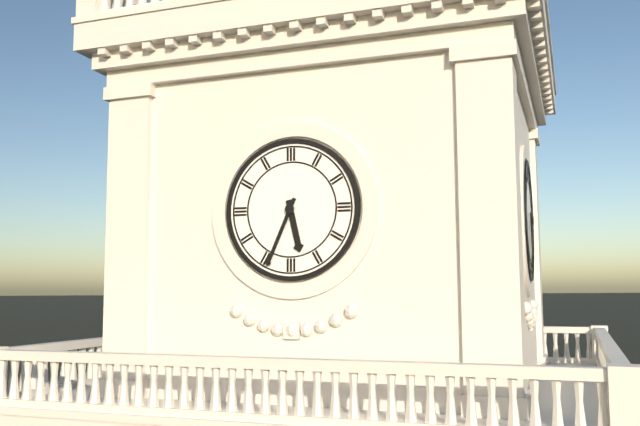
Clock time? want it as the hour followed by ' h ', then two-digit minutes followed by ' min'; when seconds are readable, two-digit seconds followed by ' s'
5 h 34 min
